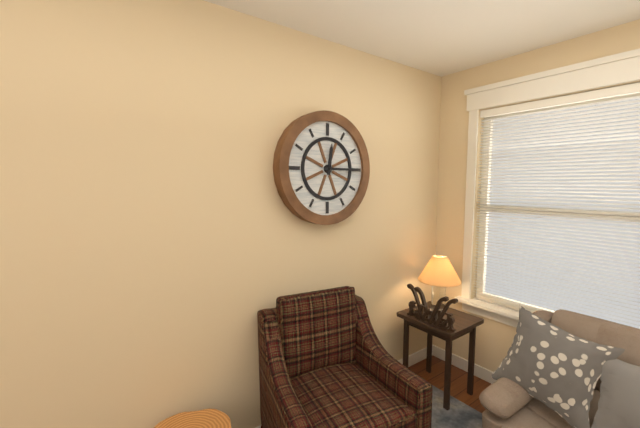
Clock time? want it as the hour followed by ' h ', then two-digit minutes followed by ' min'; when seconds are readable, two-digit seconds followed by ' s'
12 h 15 min
